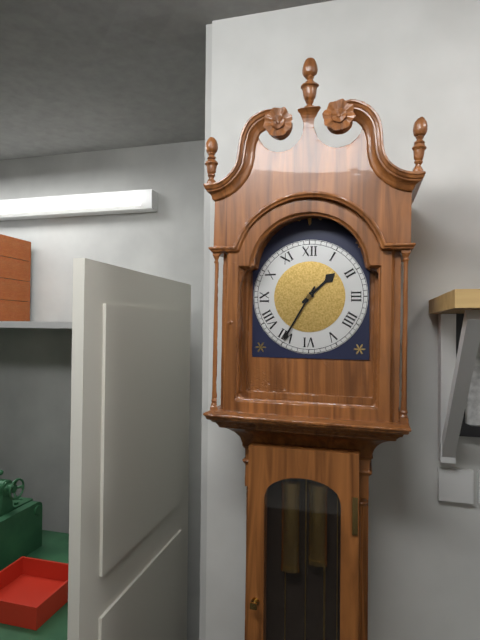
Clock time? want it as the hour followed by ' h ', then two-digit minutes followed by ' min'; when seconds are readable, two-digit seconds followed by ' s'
1 h 35 min
